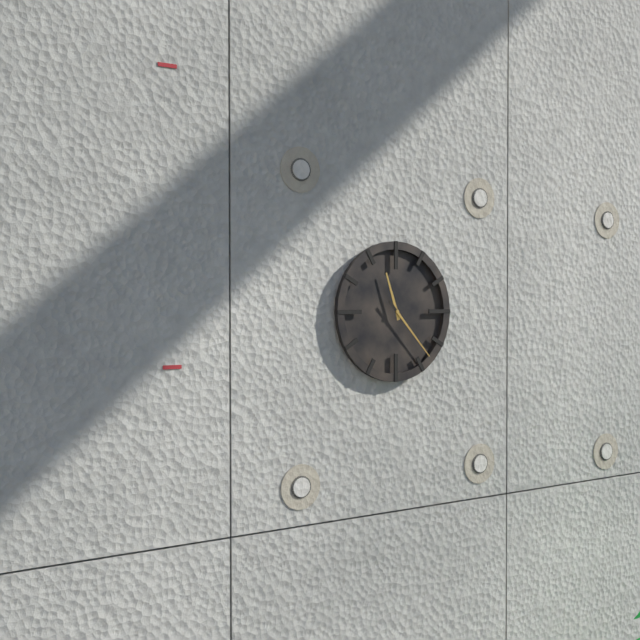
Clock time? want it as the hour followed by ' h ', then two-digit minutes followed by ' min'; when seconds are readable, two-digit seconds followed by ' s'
11 h 23 min
